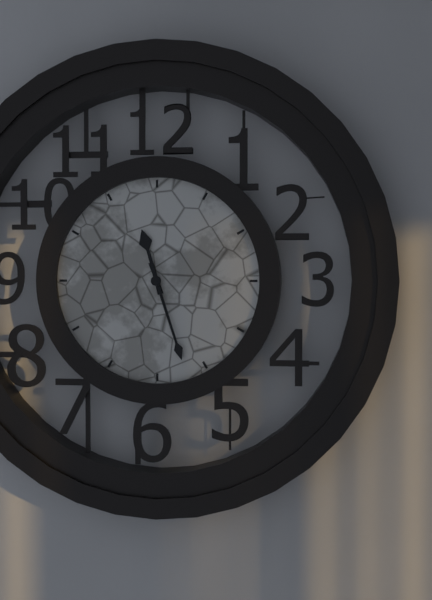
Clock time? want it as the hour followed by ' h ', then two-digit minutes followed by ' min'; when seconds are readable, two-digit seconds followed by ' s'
11 h 27 min
